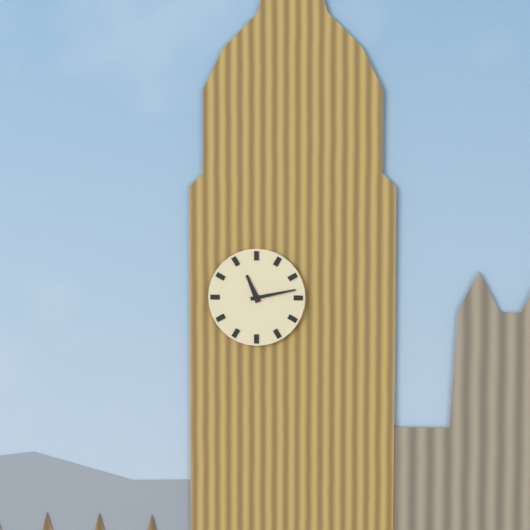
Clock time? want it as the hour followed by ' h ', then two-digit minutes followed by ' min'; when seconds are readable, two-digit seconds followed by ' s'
11 h 13 min
